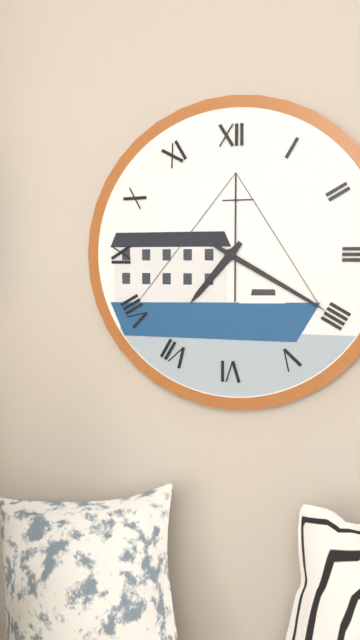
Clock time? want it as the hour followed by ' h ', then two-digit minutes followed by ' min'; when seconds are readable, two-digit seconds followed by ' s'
7 h 20 min
